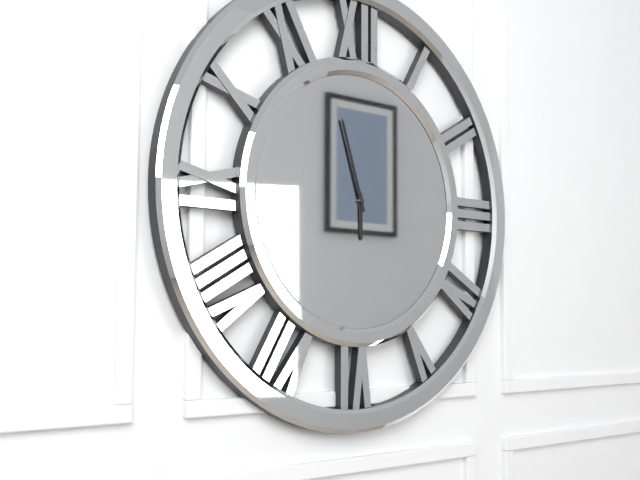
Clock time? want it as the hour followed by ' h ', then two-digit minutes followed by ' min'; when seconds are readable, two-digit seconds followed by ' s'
5 h 57 min
